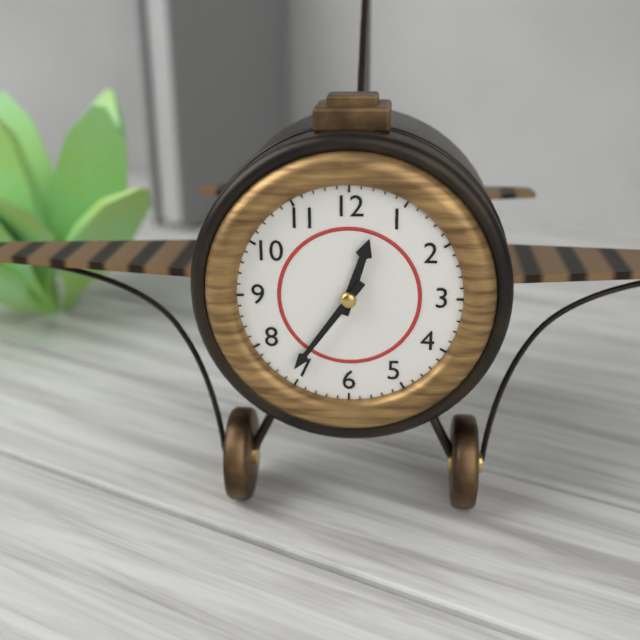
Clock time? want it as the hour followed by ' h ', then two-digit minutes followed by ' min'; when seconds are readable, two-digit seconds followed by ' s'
12 h 36 min
